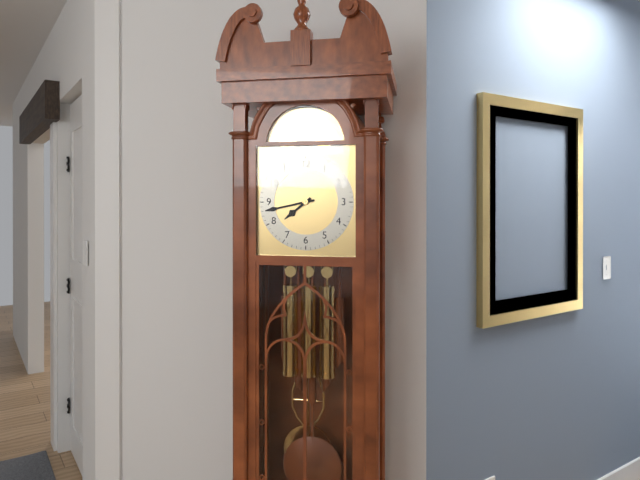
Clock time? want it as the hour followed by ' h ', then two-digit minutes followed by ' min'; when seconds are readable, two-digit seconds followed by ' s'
7 h 43 min
